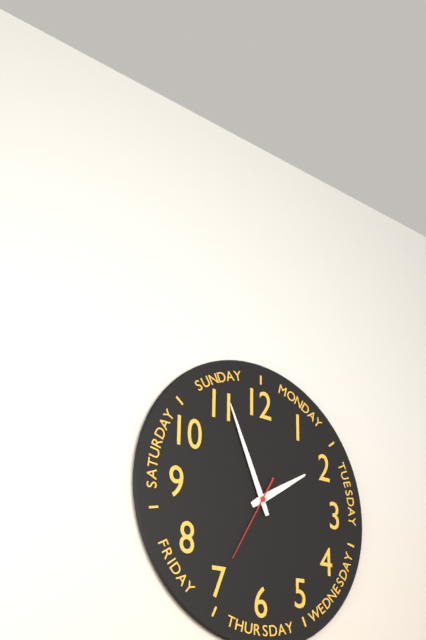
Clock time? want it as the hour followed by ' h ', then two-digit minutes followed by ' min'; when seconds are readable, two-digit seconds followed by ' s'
1 h 56 min 35 s
